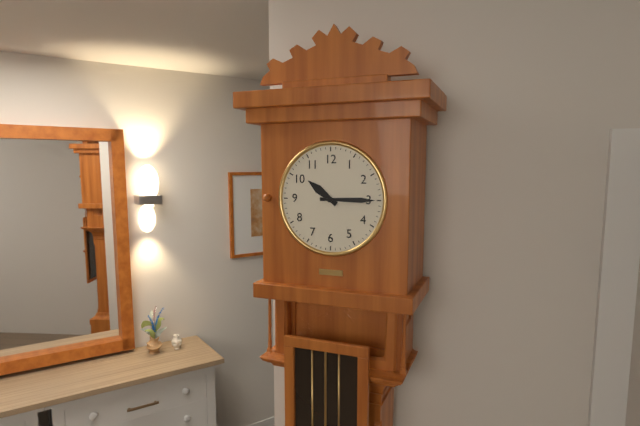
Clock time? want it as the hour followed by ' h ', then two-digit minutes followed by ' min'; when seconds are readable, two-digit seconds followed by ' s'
10 h 15 min
